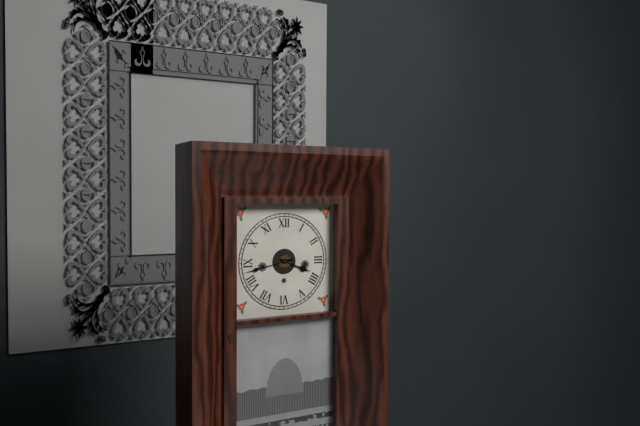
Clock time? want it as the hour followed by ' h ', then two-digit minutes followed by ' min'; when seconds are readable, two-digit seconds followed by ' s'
3 h 43 min
